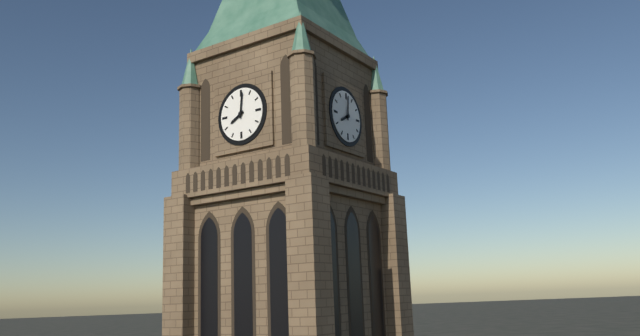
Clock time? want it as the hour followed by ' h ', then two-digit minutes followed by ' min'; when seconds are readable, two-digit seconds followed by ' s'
8 h 01 min
